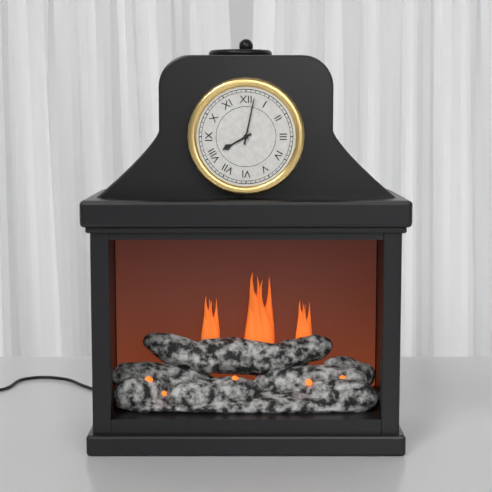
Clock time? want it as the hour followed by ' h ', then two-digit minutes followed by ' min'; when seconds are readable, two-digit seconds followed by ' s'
8 h 02 min
